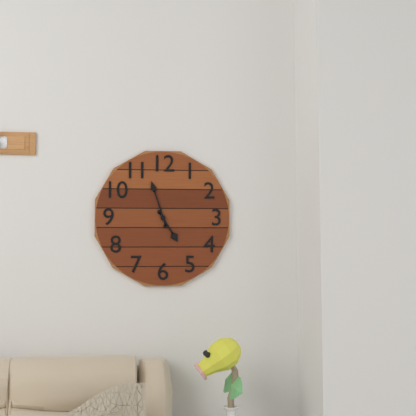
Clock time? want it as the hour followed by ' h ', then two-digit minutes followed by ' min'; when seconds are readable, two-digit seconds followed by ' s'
4 h 57 min
